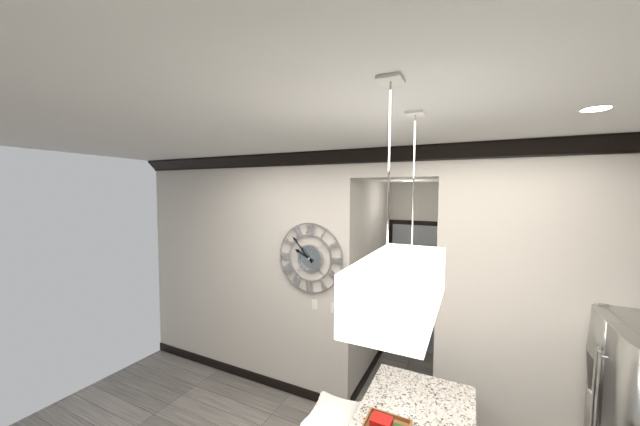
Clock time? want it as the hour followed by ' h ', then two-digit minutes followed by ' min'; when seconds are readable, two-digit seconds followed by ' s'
9 h 53 min
